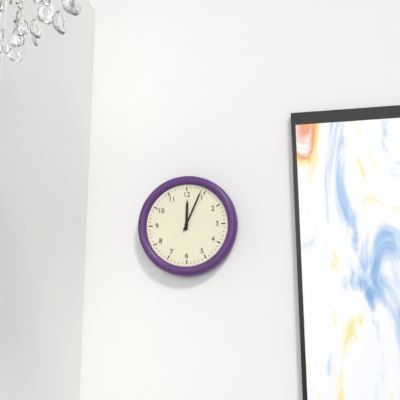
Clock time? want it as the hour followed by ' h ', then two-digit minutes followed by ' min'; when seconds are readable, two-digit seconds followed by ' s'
12 h 04 min
